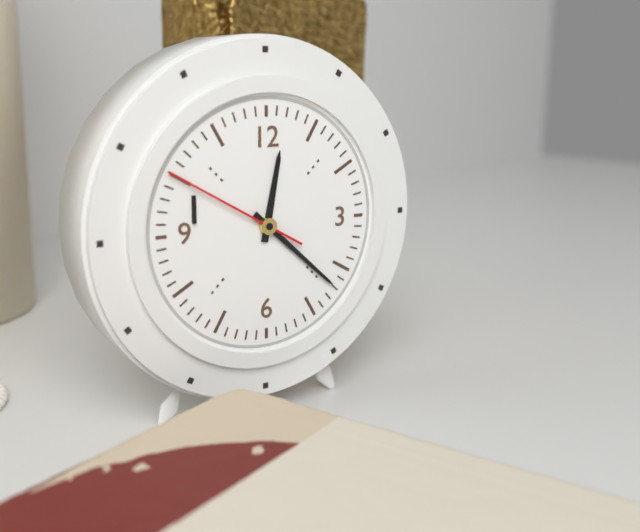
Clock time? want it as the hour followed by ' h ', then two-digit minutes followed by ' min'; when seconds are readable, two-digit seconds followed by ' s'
12 h 22 min 50 s
